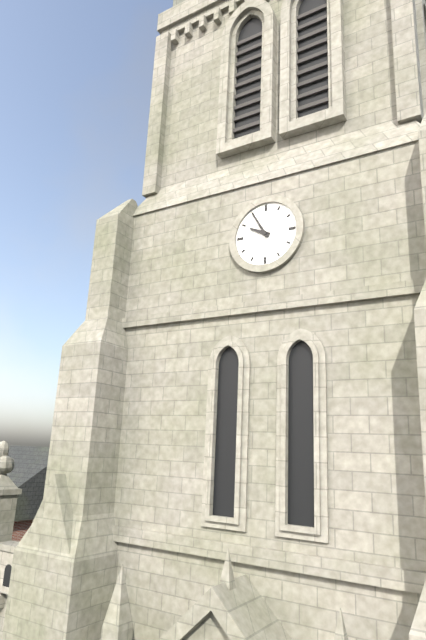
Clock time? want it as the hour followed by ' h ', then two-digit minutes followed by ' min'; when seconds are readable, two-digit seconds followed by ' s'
9 h 55 min
